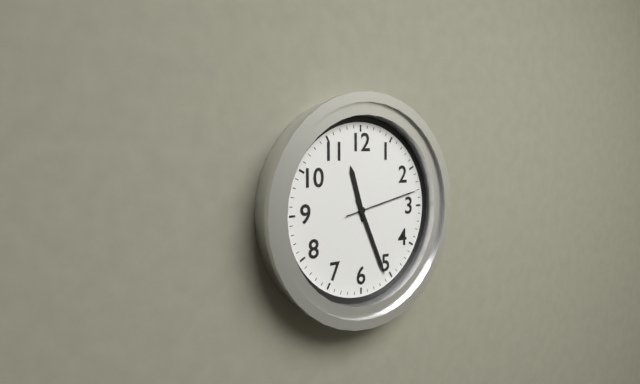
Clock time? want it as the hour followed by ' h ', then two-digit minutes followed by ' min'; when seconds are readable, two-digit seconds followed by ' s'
11 h 26 min 13 s
